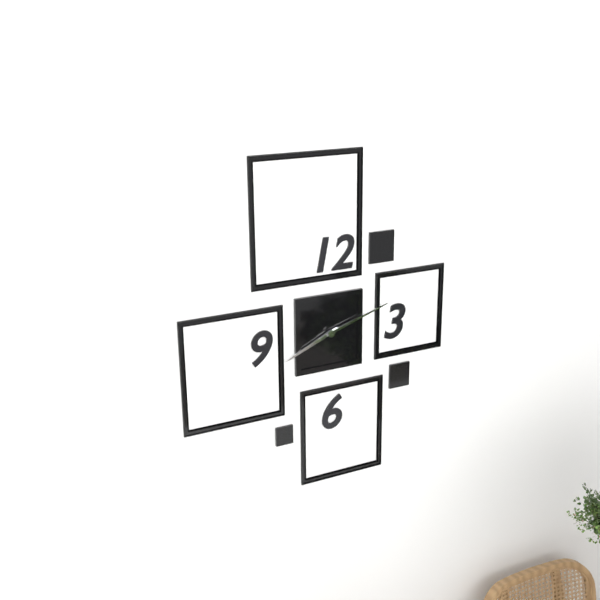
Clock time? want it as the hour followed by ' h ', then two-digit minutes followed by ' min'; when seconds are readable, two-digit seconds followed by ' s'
8 h 12 min
